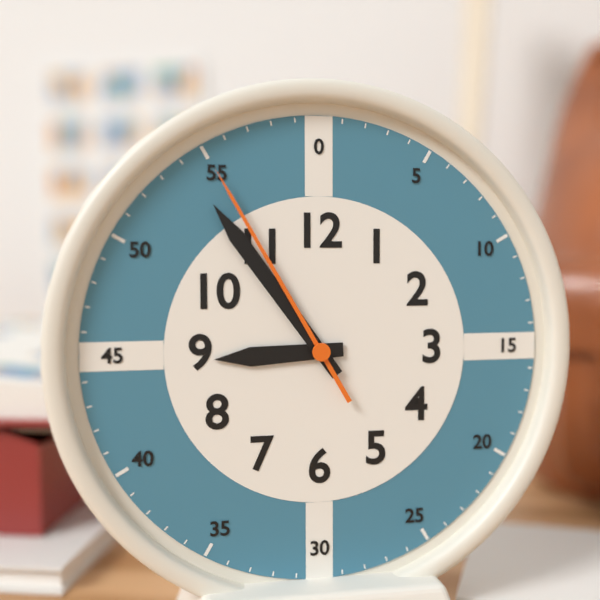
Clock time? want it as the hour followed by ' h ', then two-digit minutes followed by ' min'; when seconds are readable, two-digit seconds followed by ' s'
8 h 54 min 55 s
